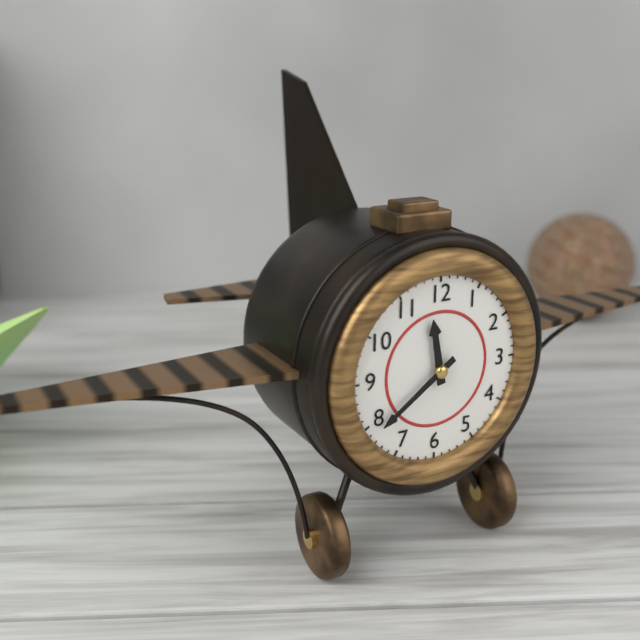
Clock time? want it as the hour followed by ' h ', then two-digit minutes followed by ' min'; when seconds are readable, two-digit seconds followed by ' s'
11 h 39 min
